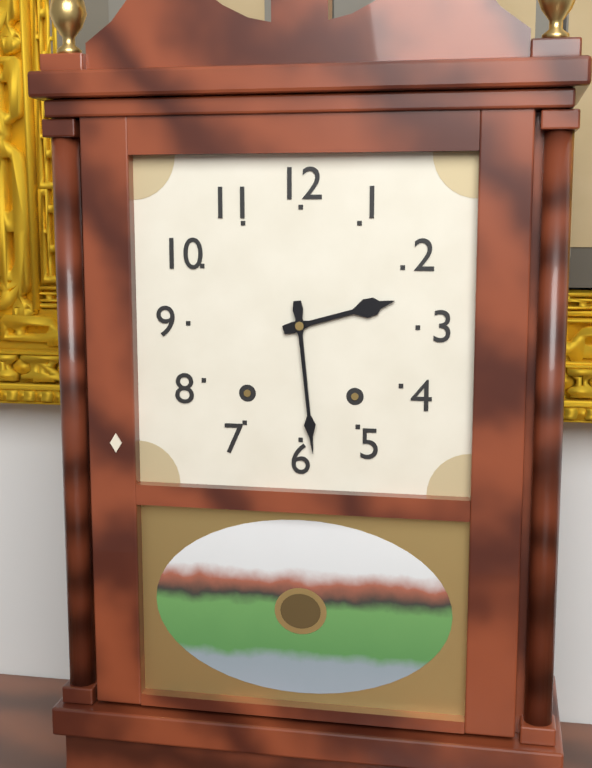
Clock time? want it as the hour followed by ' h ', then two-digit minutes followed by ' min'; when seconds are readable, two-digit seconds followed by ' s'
2 h 29 min
